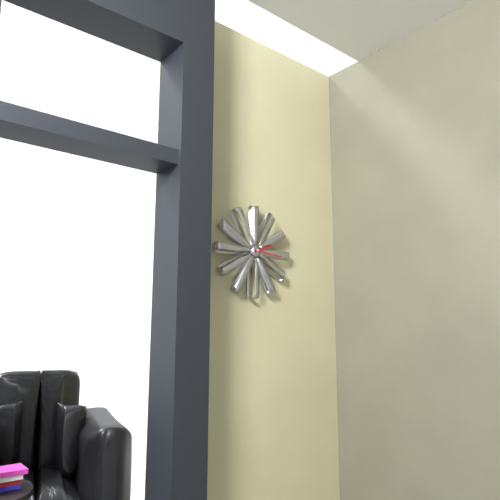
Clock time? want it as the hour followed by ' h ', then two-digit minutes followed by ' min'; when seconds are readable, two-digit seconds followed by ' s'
2 h 16 min
